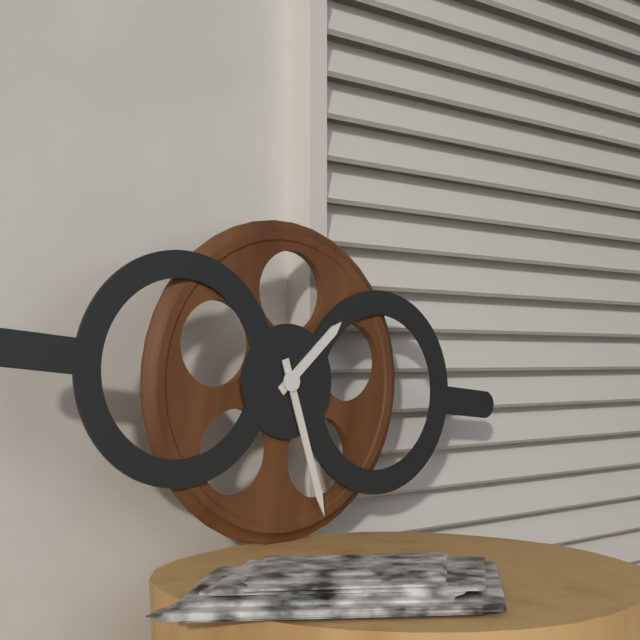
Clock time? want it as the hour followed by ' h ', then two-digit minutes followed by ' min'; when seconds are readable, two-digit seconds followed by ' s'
1 h 26 min
